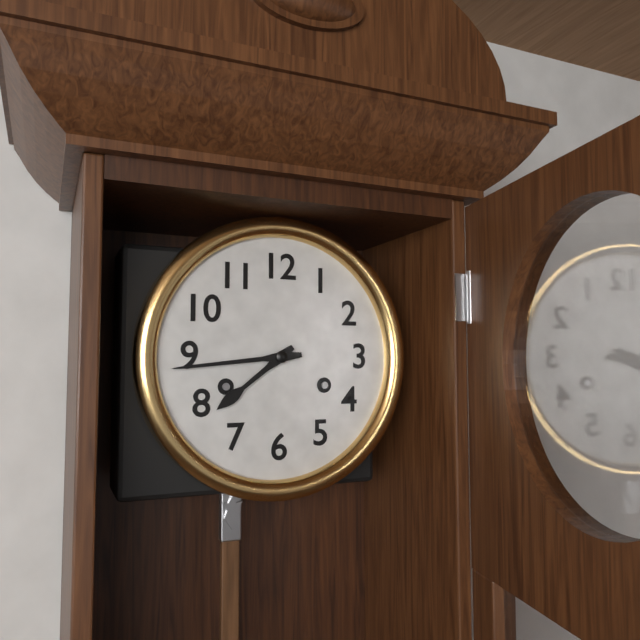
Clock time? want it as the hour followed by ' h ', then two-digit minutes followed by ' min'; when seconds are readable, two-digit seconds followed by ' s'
7 h 44 min
